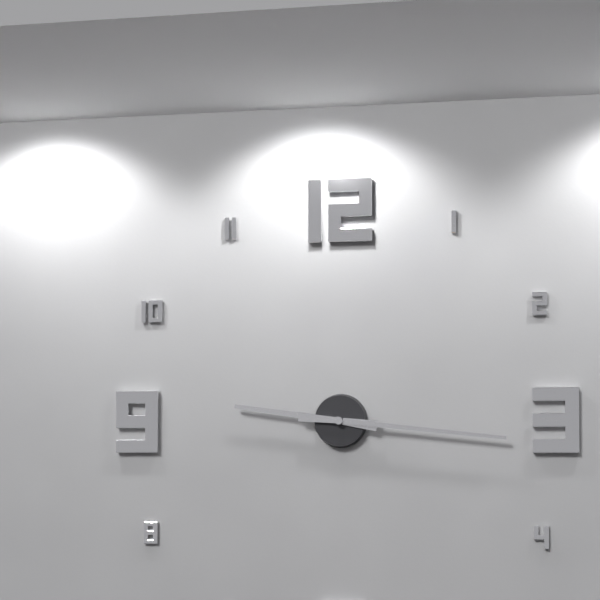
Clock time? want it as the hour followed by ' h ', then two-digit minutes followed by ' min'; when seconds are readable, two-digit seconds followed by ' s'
9 h 16 min
